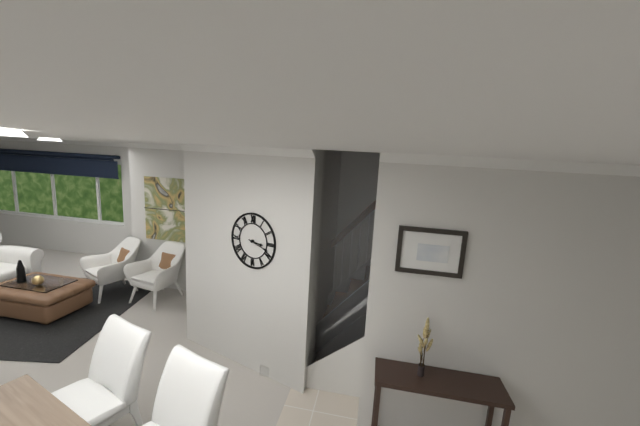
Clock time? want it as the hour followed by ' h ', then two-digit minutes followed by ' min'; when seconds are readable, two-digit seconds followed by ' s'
3 h 18 min
